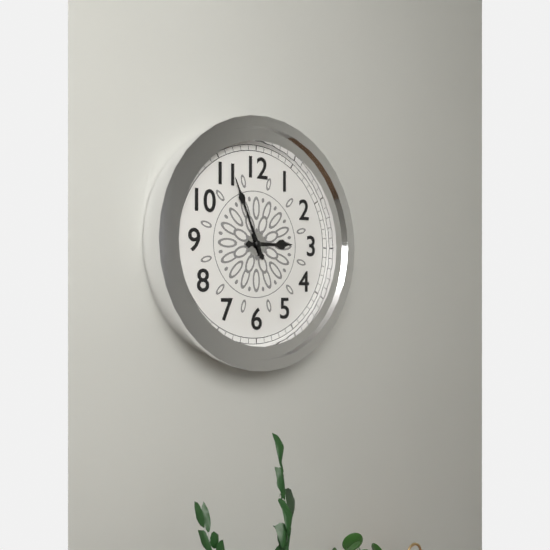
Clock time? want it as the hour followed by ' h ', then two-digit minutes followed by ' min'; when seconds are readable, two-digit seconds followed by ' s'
2 h 56 min
